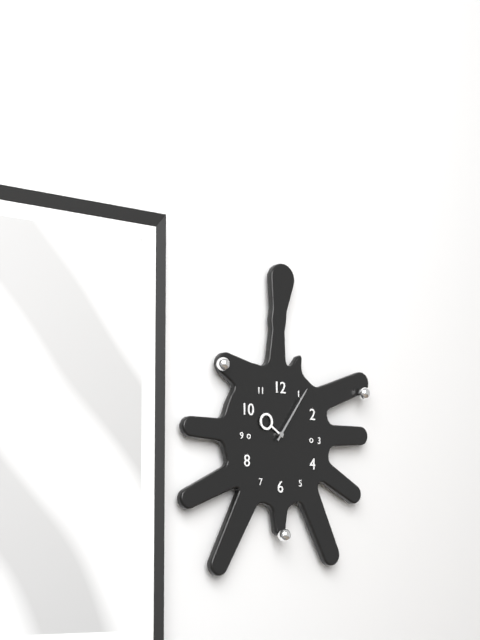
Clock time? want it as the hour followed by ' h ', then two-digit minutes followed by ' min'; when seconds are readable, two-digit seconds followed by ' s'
10 h 06 min
